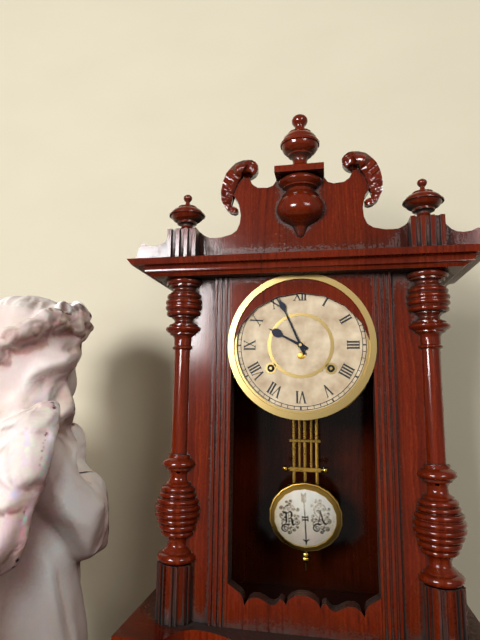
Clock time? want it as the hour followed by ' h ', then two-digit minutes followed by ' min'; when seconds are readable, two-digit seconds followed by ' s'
9 h 56 min
